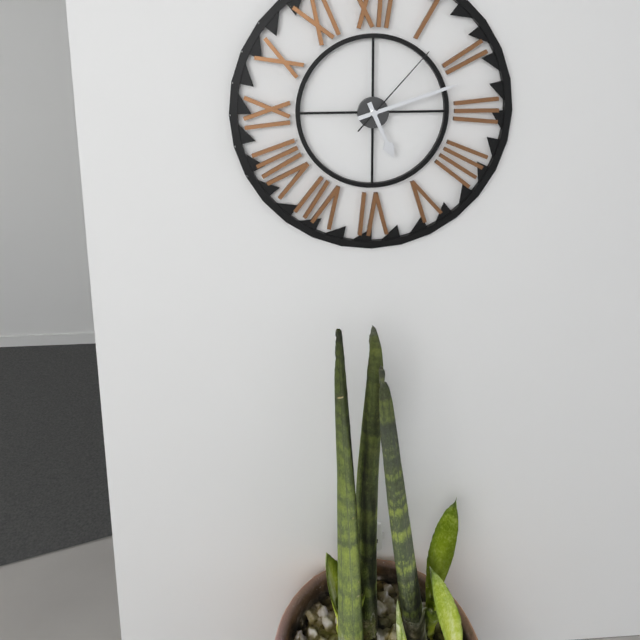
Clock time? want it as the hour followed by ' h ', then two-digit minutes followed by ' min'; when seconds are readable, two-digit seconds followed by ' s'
5 h 12 min 07 s
